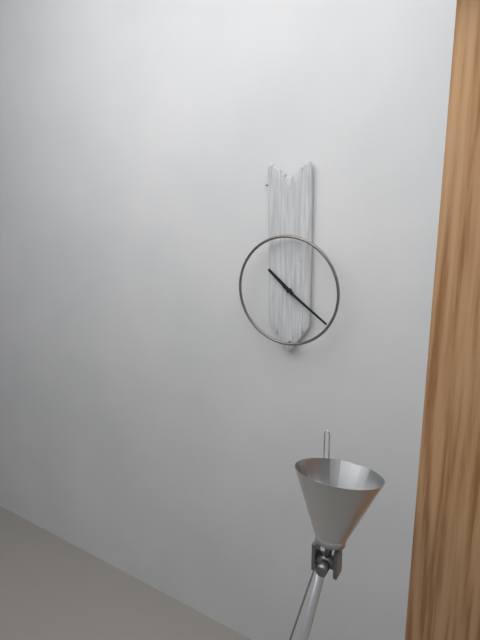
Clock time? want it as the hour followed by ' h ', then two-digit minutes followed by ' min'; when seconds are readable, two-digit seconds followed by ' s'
10 h 21 min
